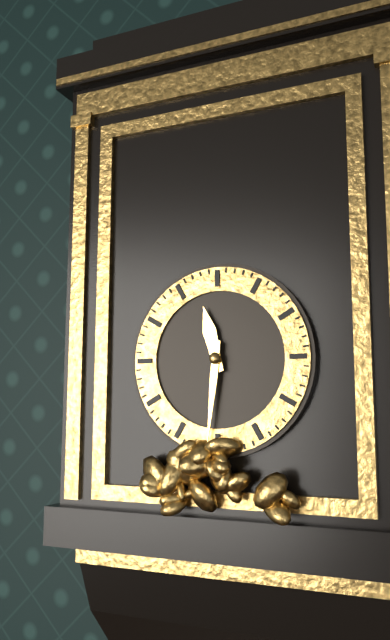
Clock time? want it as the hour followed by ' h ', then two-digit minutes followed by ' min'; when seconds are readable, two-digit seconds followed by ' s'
11 h 31 min
